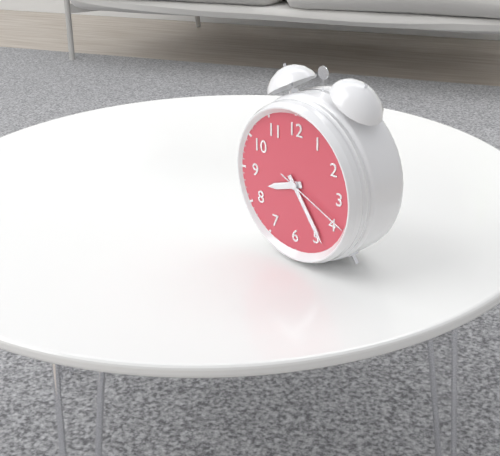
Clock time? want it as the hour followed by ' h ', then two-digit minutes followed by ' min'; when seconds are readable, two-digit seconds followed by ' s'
8 h 24 min 19 s
